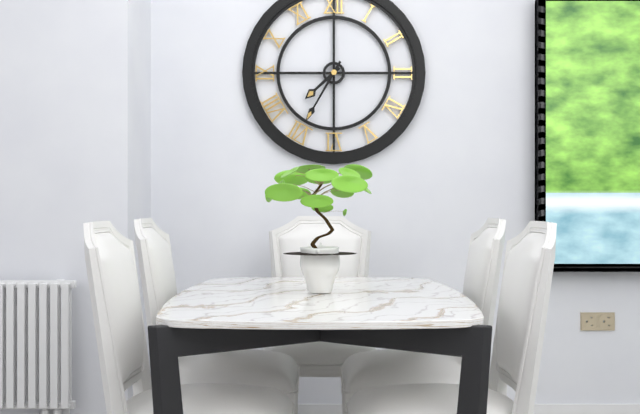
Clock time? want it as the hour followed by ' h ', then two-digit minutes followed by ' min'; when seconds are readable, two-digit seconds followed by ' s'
7 h 35 min
